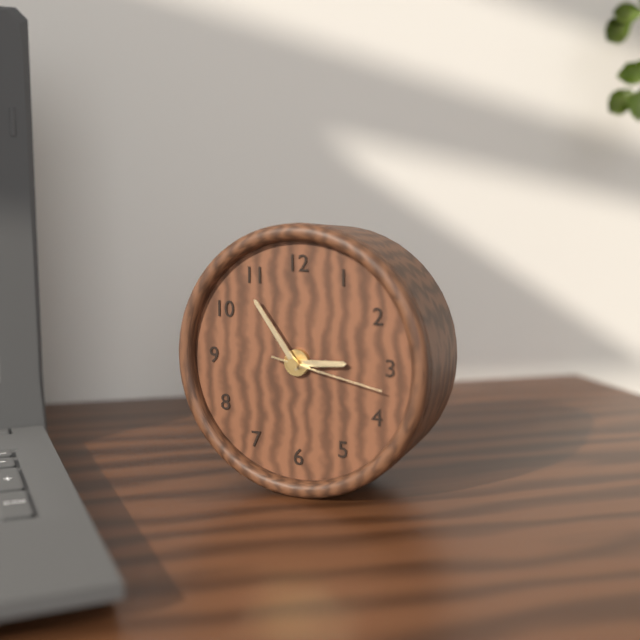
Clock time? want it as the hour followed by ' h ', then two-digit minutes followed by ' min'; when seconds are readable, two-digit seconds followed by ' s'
2 h 54 min 17 s
